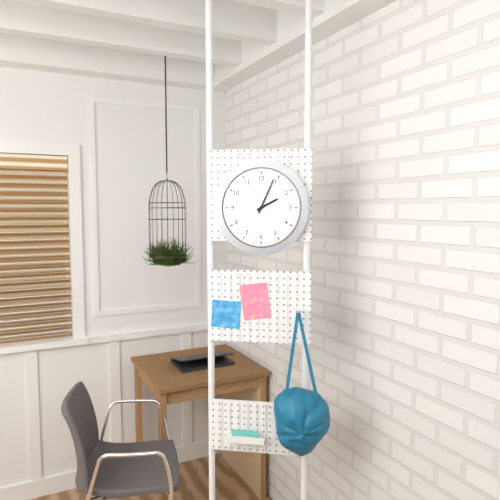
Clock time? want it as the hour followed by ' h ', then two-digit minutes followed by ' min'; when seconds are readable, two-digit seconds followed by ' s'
2 h 04 min
